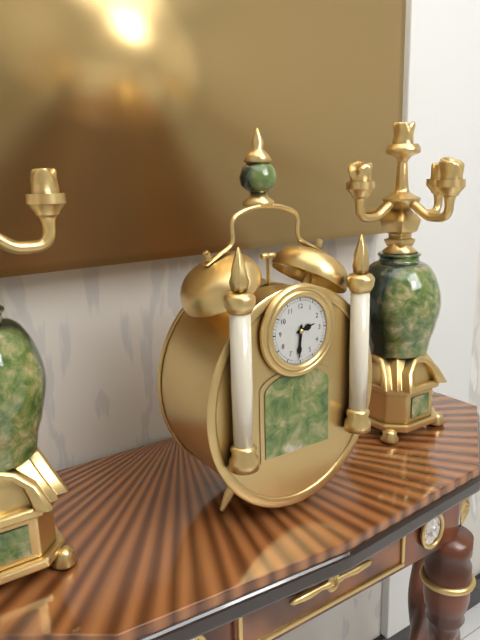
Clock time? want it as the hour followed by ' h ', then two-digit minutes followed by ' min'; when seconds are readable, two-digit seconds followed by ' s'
2 h 31 min
